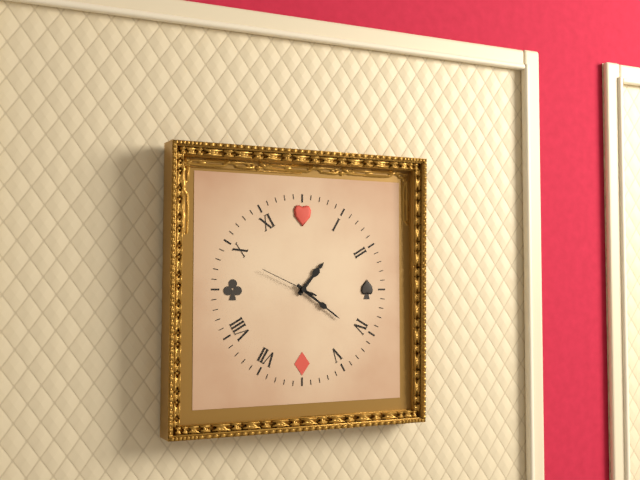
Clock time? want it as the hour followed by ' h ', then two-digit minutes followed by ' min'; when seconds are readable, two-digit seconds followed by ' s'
1 h 21 min 49 s
